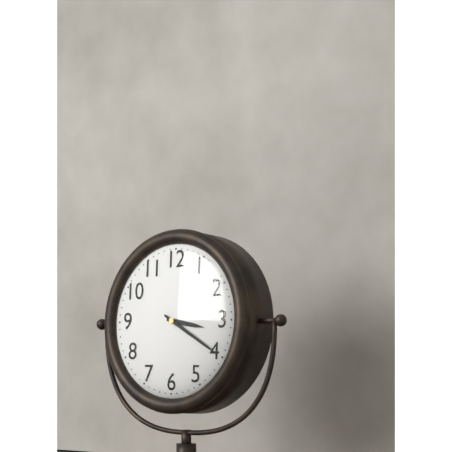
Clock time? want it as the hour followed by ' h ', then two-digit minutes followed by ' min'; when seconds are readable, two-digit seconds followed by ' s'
3 h 20 min
